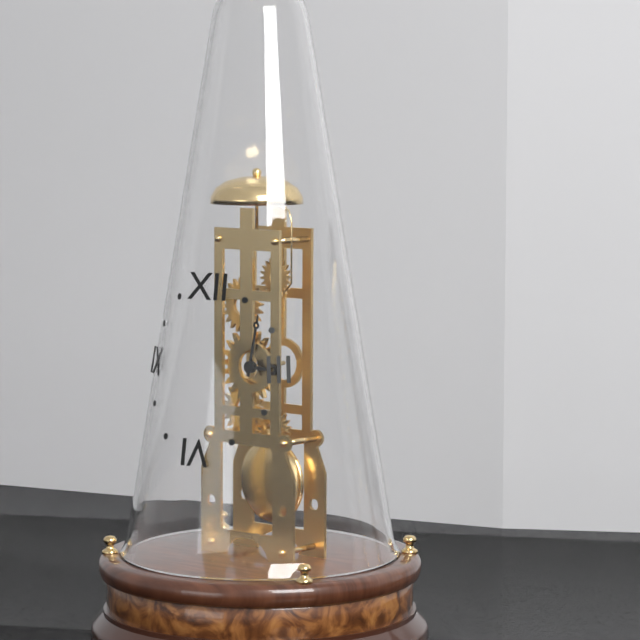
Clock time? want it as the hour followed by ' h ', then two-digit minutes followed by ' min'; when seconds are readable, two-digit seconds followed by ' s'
3 h 02 min
